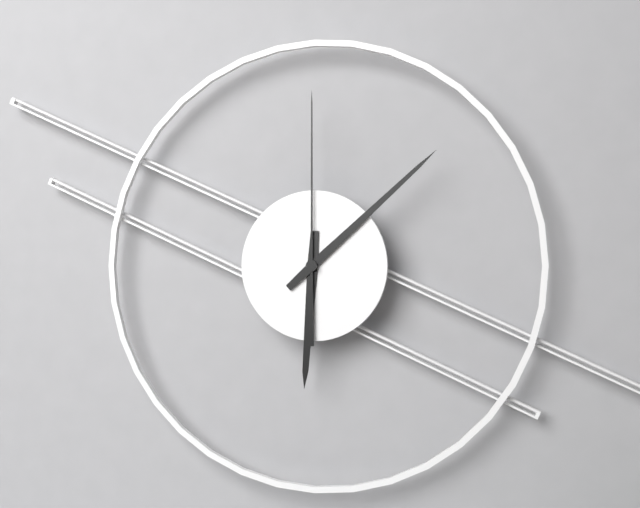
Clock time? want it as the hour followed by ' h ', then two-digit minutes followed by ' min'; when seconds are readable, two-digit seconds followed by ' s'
6 h 08 min 00 s
